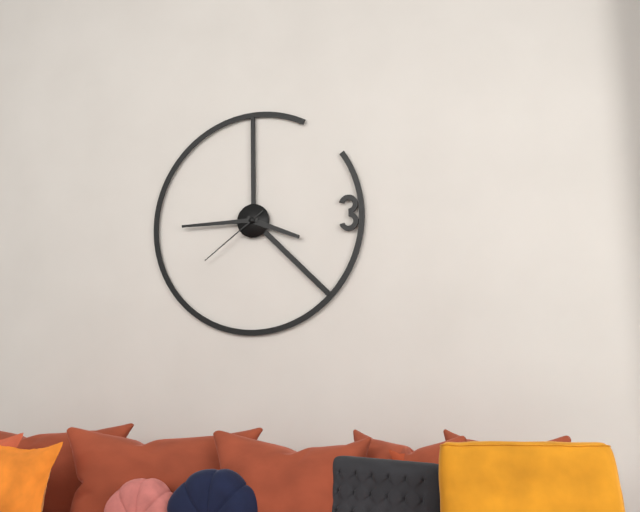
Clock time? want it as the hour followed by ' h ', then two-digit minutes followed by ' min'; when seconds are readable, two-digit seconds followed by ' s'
3 h 45 min 39 s
